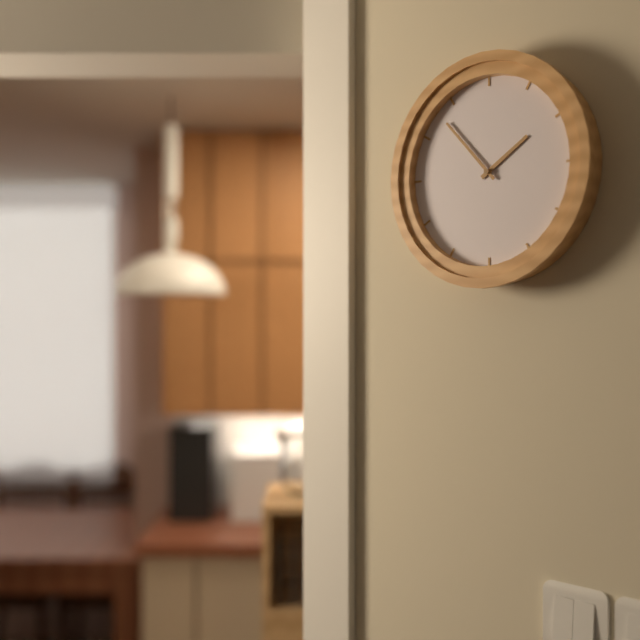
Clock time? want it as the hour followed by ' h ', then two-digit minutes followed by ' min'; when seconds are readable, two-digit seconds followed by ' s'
1 h 53 min
